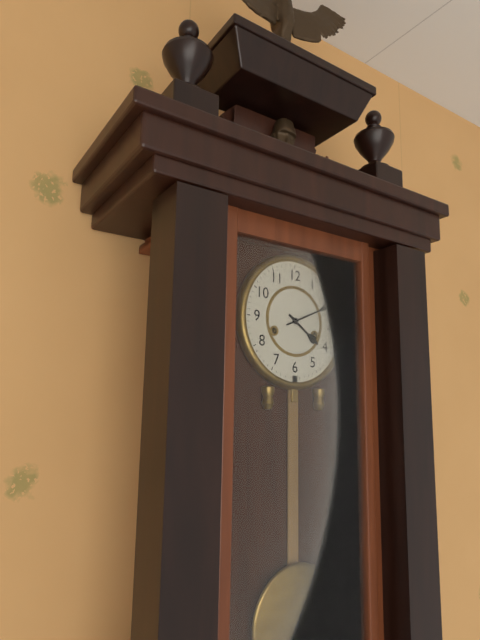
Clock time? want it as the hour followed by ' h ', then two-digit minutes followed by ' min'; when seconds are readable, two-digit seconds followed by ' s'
4 h 11 min
